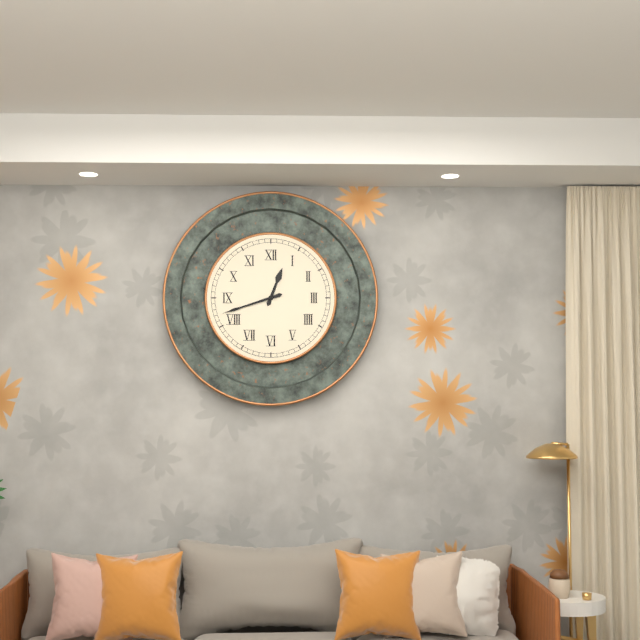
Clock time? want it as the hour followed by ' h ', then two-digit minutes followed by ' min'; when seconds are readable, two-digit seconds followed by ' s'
12 h 42 min
